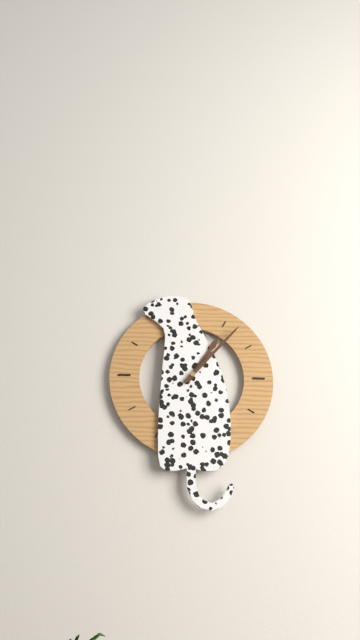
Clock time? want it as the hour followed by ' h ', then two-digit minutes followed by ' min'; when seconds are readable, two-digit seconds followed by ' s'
1 h 07 min
